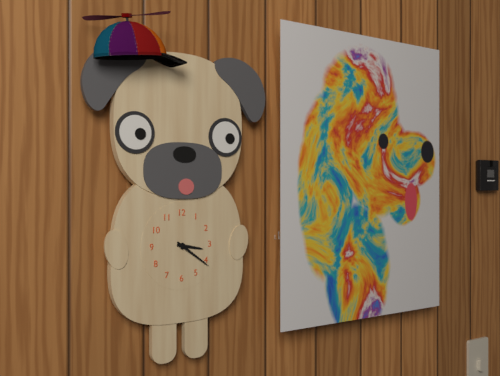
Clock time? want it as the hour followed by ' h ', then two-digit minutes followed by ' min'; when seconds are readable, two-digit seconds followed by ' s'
3 h 21 min
